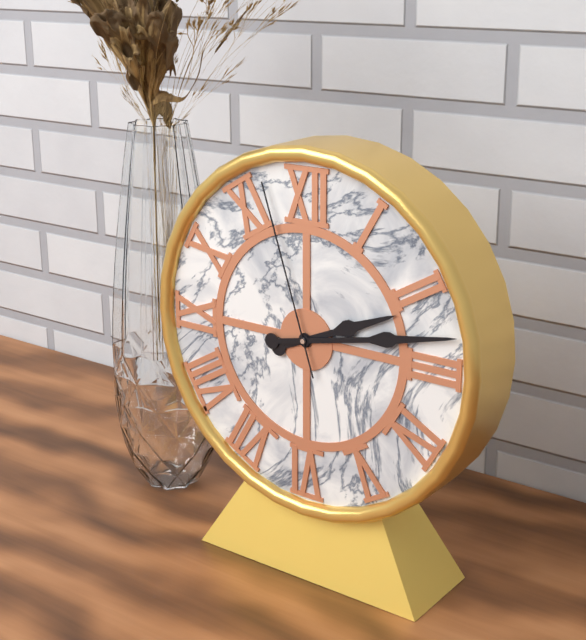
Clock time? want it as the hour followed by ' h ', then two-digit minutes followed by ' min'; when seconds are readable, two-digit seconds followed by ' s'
2 h 13 min 57 s
